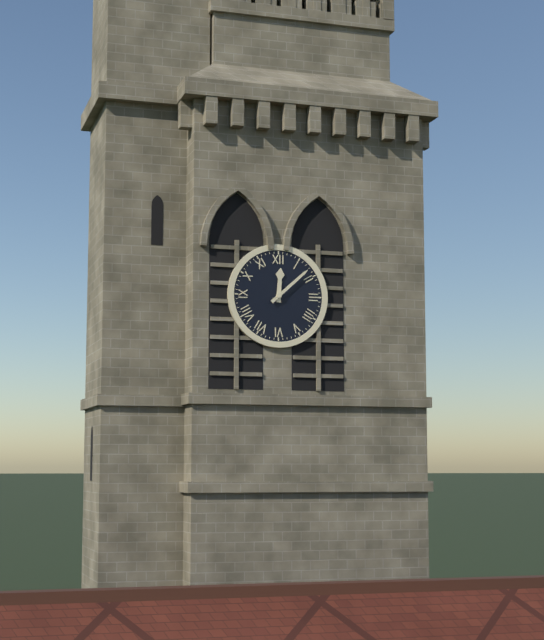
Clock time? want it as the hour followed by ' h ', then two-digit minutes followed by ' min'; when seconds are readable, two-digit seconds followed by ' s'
12 h 08 min
